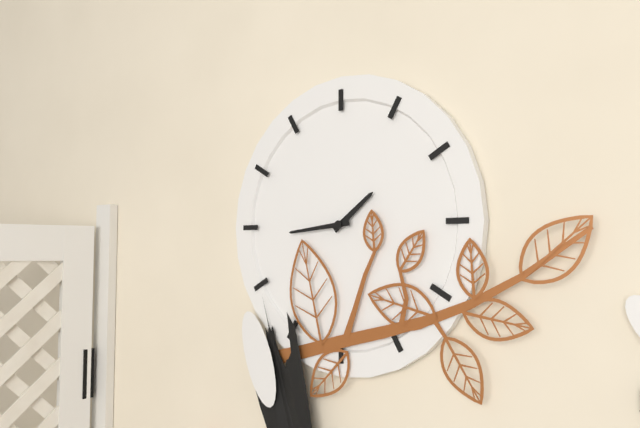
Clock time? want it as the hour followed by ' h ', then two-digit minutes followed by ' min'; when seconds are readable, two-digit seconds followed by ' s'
1 h 44 min
